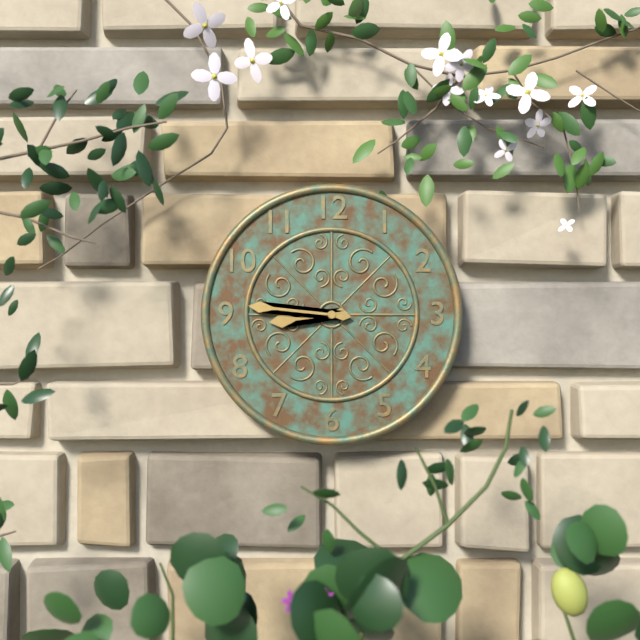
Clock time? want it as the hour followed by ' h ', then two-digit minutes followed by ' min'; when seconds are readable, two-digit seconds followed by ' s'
8 h 46 min
